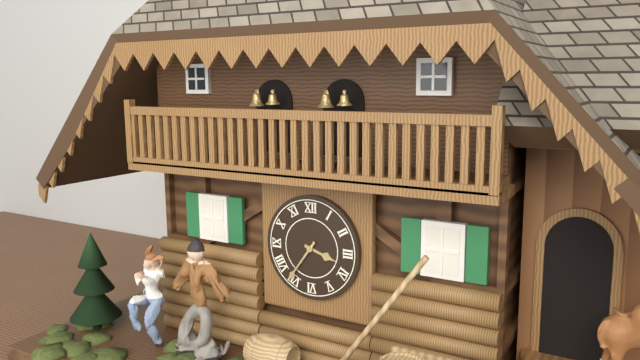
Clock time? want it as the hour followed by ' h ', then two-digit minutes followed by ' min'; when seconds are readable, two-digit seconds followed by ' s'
3 h 36 min
